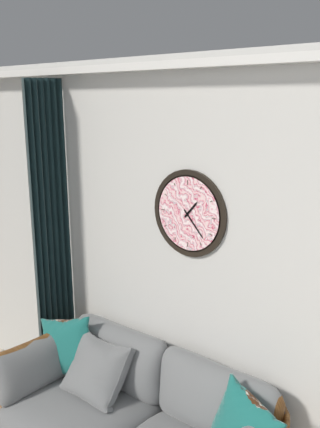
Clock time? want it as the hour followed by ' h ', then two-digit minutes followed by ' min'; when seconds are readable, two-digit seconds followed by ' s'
1 h 23 min
